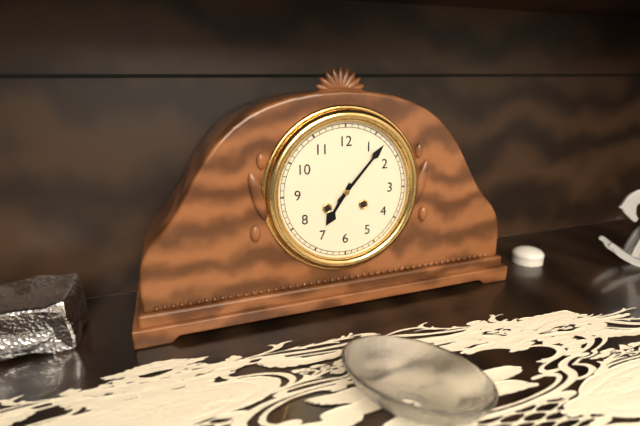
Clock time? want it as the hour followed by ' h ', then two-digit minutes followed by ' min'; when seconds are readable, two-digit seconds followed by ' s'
7 h 07 min
